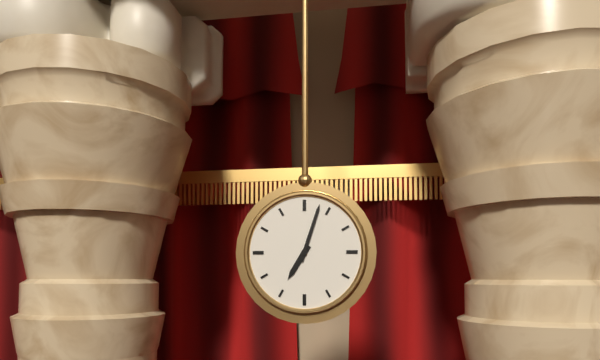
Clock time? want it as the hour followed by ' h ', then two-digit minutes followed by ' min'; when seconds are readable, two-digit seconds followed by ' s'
7 h 03 min
